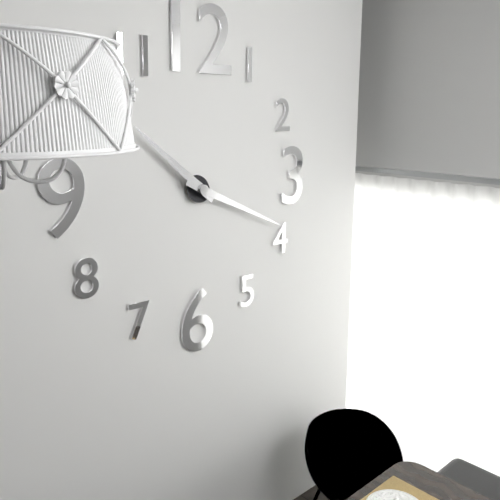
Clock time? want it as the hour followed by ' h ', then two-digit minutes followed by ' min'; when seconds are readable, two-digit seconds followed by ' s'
10 h 19 min
